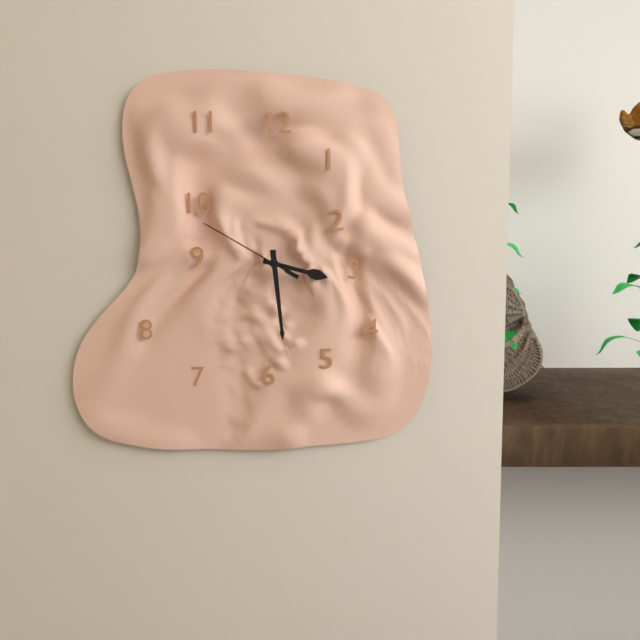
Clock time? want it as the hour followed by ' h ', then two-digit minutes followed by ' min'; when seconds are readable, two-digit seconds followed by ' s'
3 h 29 min 50 s
